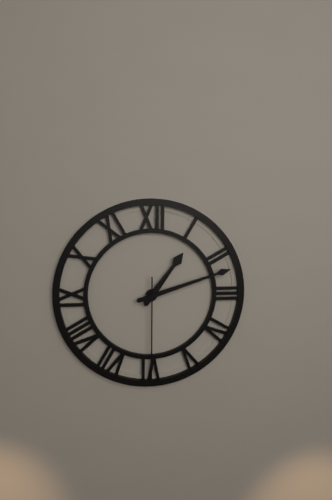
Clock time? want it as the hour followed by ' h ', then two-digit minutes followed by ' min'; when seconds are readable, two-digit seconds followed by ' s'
1 h 12 min 30 s
